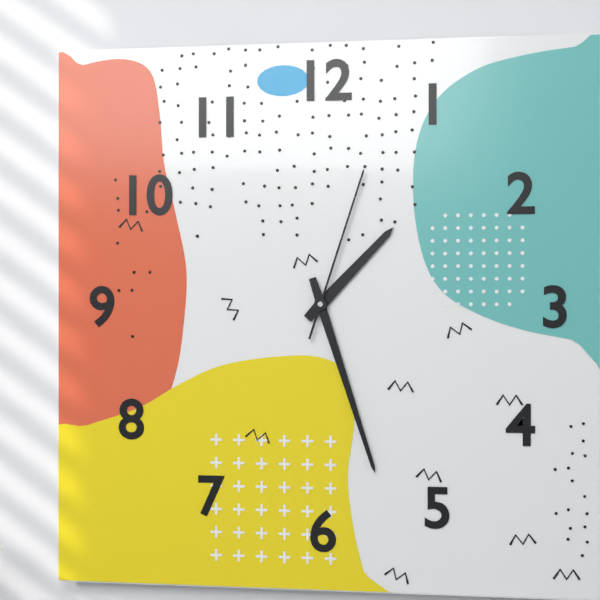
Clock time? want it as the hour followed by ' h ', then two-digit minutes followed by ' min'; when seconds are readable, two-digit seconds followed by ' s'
1 h 27 min 03 s
